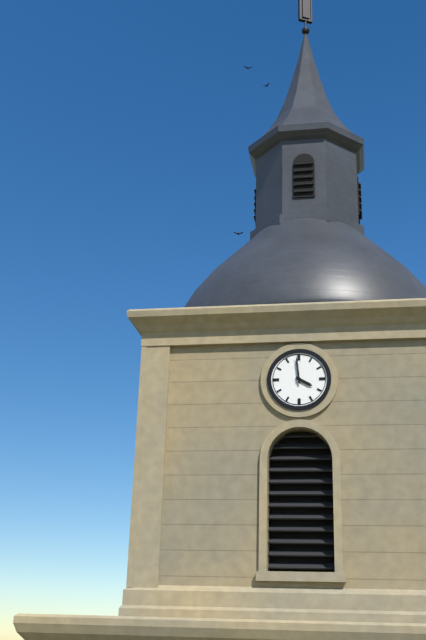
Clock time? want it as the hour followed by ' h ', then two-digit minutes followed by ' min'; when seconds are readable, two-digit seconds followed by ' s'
3 h 59 min
